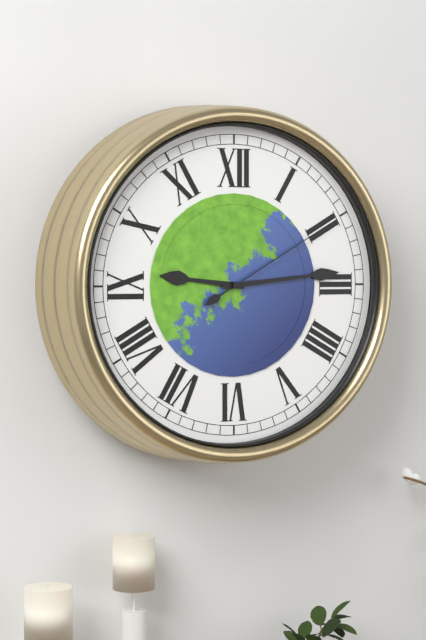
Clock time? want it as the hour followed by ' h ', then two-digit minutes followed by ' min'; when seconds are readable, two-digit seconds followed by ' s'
9 h 14 min 10 s
